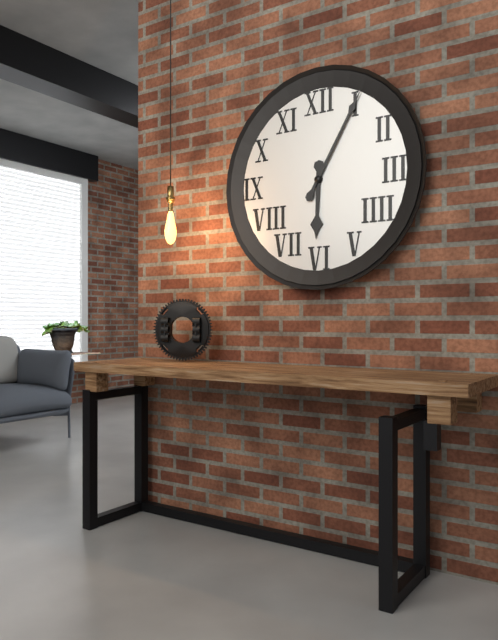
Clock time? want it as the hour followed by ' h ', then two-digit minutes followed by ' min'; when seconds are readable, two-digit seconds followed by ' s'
6 h 05 min
